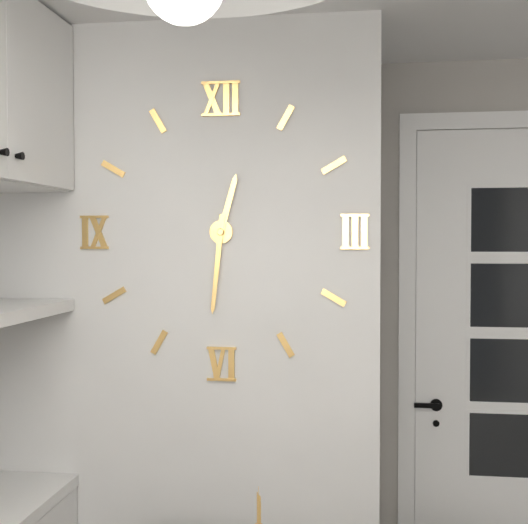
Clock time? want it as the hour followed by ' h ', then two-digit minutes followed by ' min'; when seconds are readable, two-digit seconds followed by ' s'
12 h 31 min
